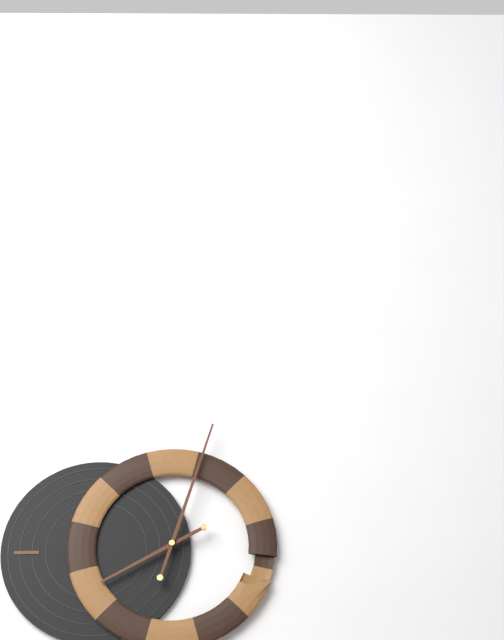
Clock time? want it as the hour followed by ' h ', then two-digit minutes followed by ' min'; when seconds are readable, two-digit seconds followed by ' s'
8 h 03 min
